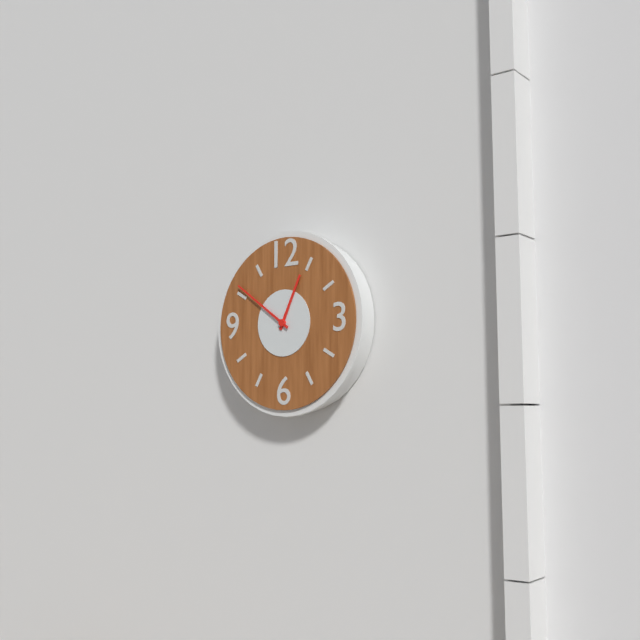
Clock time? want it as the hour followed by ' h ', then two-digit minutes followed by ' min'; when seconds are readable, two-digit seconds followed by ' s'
12 h 51 min
